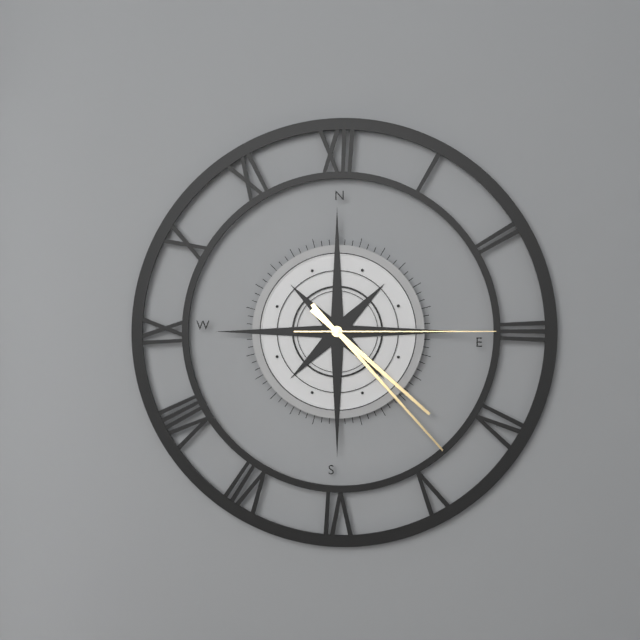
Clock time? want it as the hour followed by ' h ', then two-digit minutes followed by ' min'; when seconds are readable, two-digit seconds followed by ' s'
4 h 23 min 15 s
